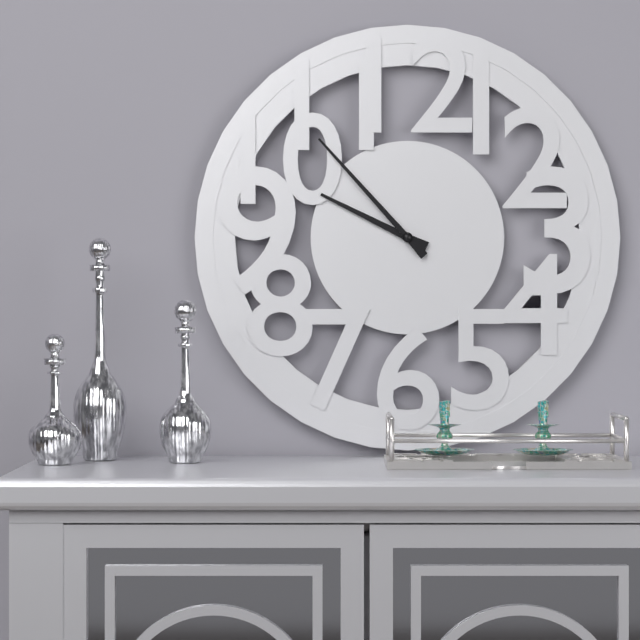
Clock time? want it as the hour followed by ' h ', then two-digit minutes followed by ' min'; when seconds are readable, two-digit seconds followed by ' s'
9 h 53 min
